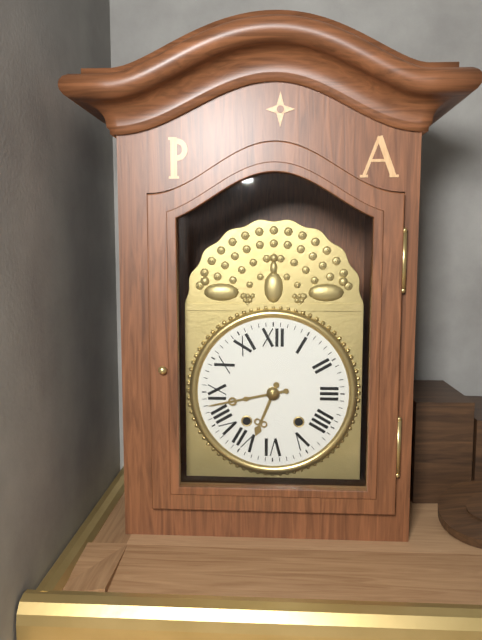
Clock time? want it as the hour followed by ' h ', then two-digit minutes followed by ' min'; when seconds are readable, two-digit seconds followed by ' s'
6 h 43 min
